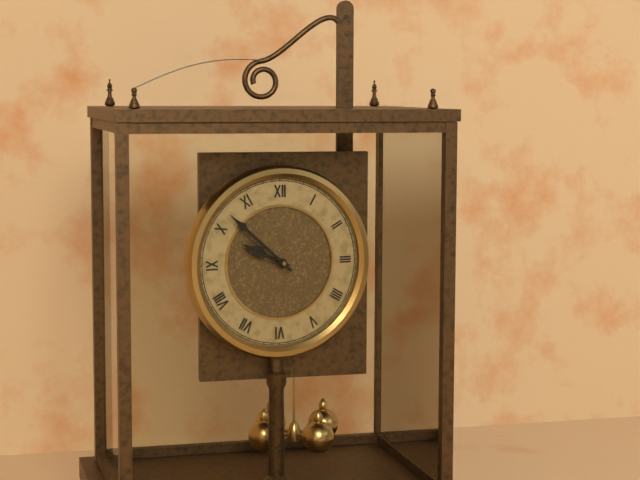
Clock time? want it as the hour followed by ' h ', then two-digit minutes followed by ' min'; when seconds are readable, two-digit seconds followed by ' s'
9 h 52 min
